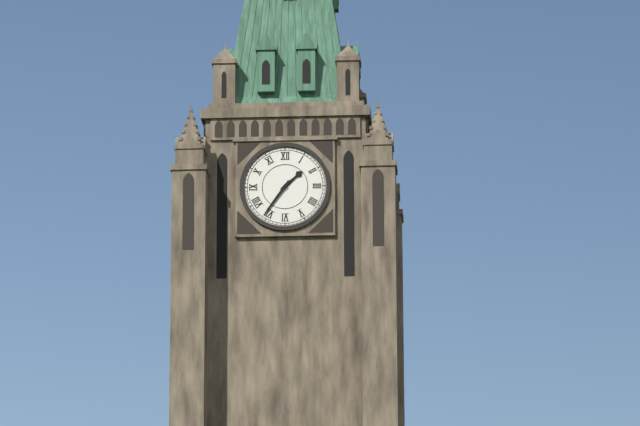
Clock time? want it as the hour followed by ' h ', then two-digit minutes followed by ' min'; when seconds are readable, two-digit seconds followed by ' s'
1 h 36 min
